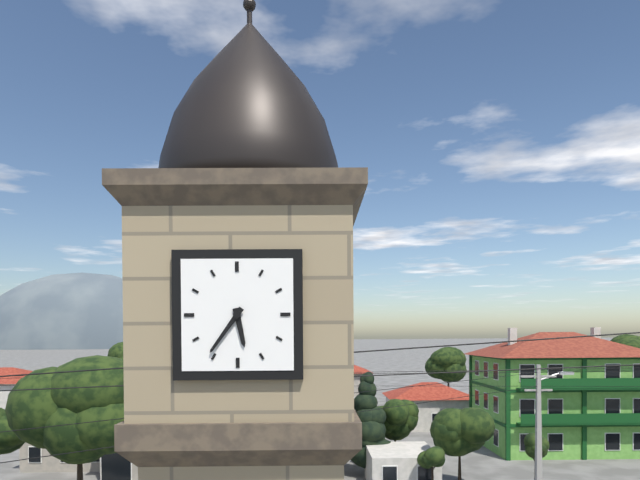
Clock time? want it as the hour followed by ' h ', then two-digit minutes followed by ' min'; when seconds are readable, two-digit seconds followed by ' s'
5 h 36 min
